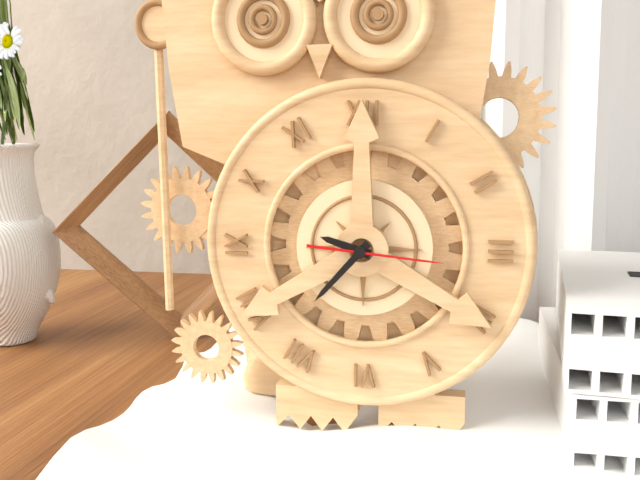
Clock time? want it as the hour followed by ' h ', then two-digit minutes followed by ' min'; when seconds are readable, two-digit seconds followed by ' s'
9 h 37 min 16 s
